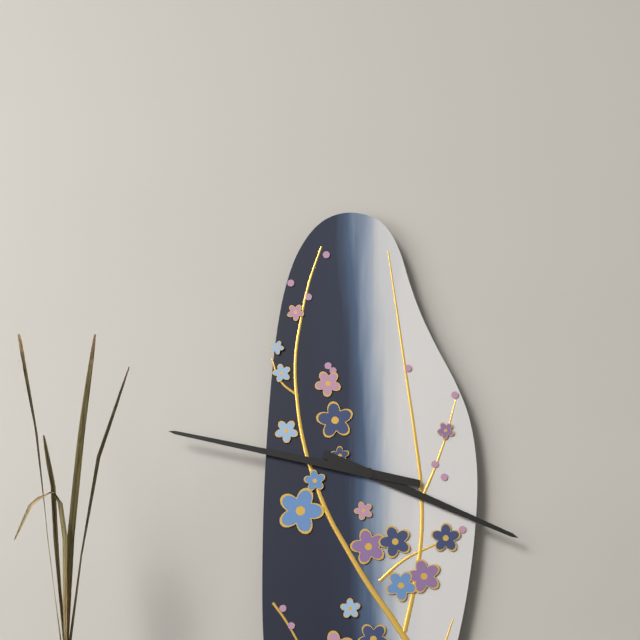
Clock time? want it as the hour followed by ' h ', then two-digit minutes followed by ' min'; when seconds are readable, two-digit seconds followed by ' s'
3 h 47 min
